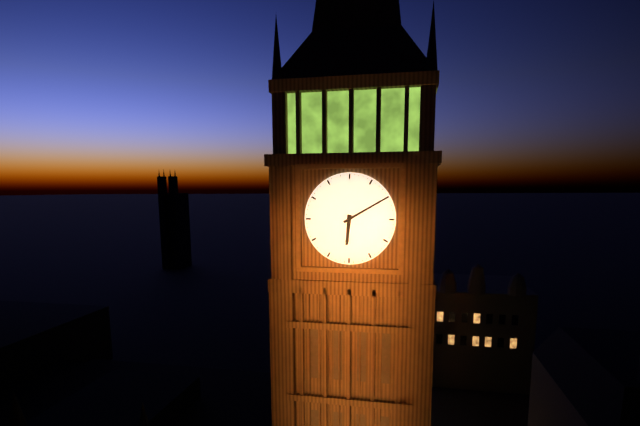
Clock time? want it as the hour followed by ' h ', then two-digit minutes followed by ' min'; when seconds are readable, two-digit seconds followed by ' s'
6 h 10 min
